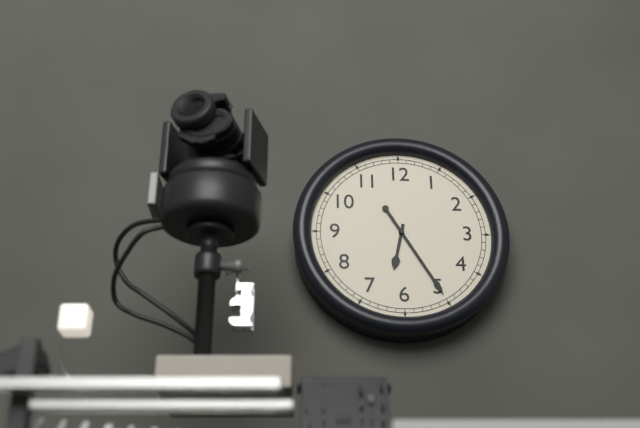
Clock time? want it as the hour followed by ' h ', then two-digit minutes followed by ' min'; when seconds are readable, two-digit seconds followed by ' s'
6 h 25 min
